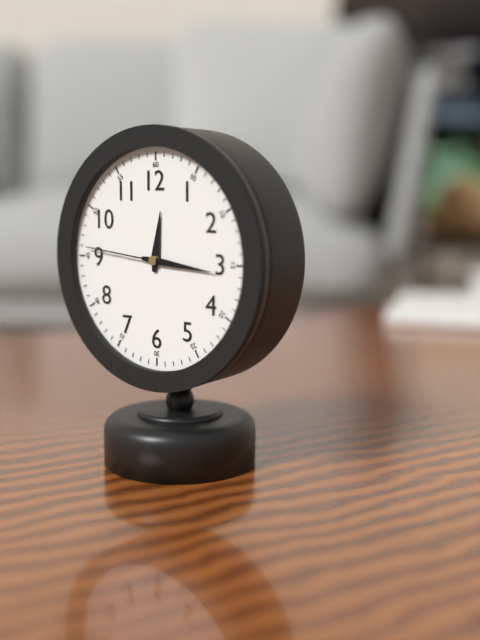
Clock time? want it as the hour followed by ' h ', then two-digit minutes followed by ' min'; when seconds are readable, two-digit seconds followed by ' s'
12 h 16 min 46 s
